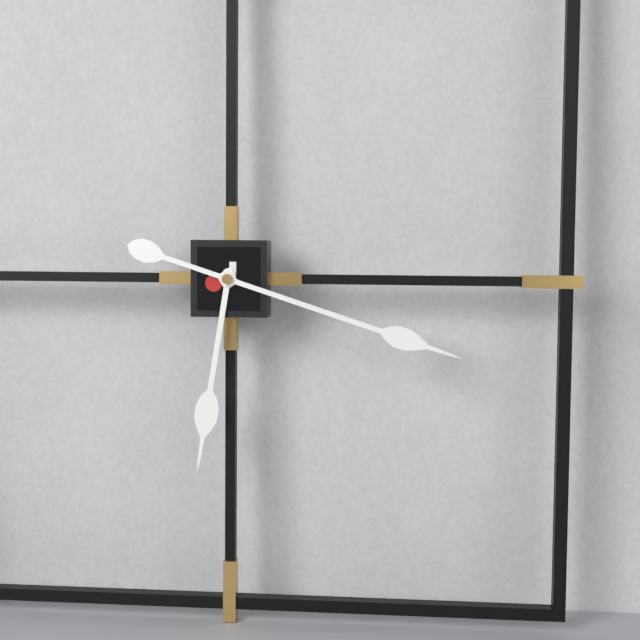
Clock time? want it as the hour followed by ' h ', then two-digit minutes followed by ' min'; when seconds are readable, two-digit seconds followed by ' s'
6 h 18 min
